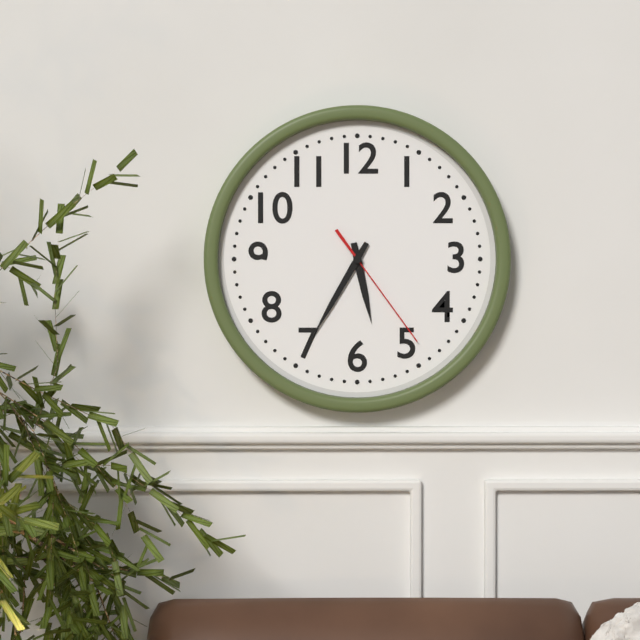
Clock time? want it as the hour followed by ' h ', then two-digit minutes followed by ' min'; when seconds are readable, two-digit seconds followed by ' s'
5 h 35 min 24 s
